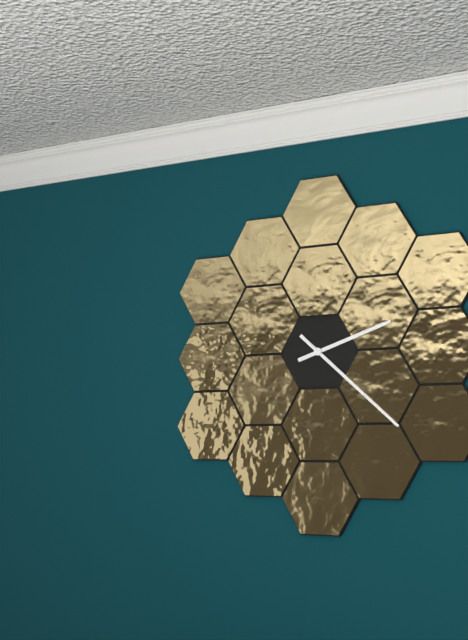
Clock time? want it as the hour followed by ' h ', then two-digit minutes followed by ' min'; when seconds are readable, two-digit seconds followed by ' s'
2 h 22 min
